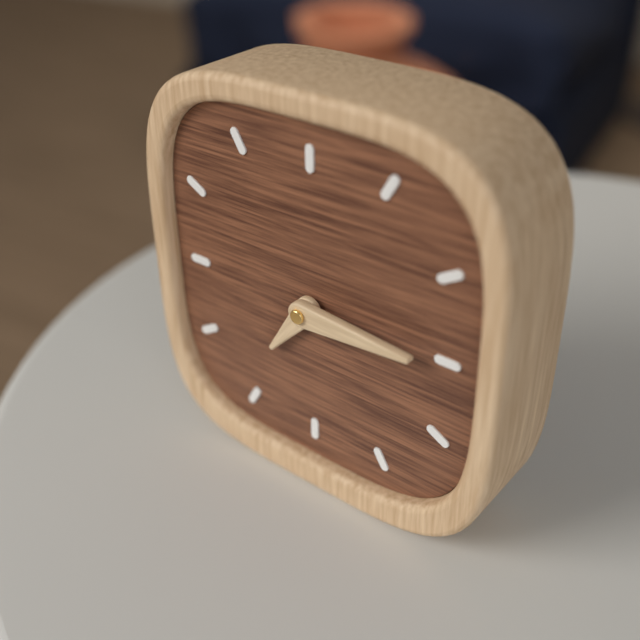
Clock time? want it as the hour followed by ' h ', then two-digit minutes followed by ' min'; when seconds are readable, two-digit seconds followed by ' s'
7 h 15 min
